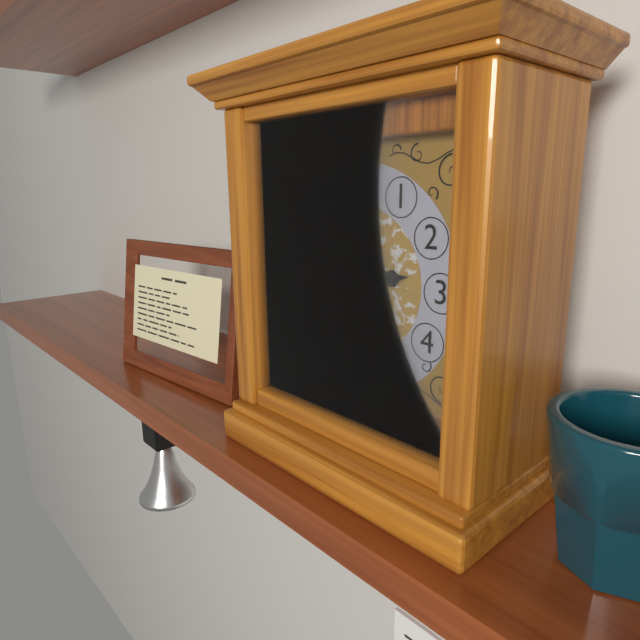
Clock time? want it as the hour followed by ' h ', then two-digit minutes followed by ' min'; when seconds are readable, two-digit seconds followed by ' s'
2 h 39 min
